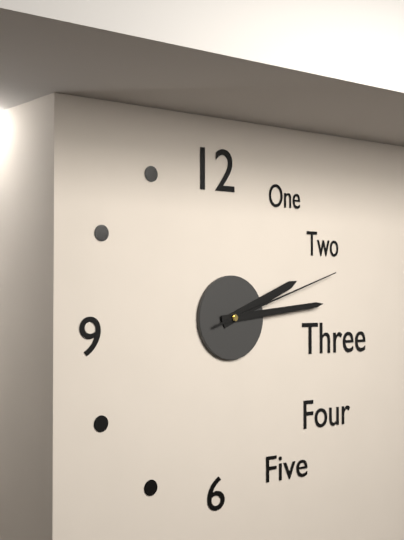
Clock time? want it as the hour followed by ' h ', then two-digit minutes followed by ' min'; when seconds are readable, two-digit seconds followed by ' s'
2 h 14 min 12 s
